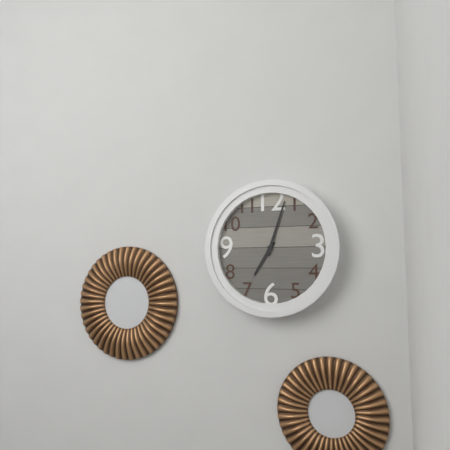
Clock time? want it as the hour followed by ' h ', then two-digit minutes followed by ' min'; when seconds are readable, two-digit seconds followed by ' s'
7 h 03 min
